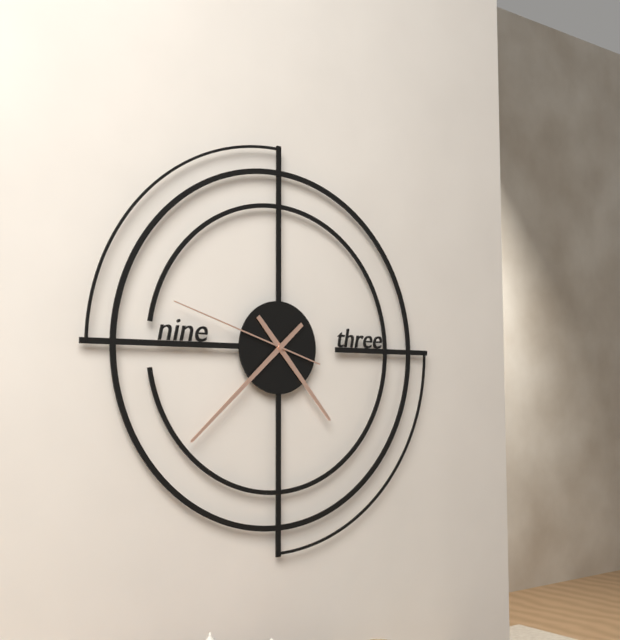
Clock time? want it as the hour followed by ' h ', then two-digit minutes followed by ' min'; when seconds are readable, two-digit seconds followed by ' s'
4 h 38 min 48 s
